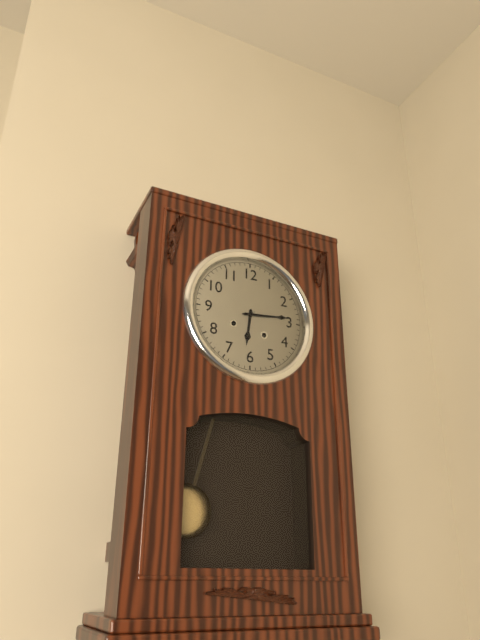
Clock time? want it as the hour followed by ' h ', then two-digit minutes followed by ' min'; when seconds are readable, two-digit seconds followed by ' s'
6 h 14 min
